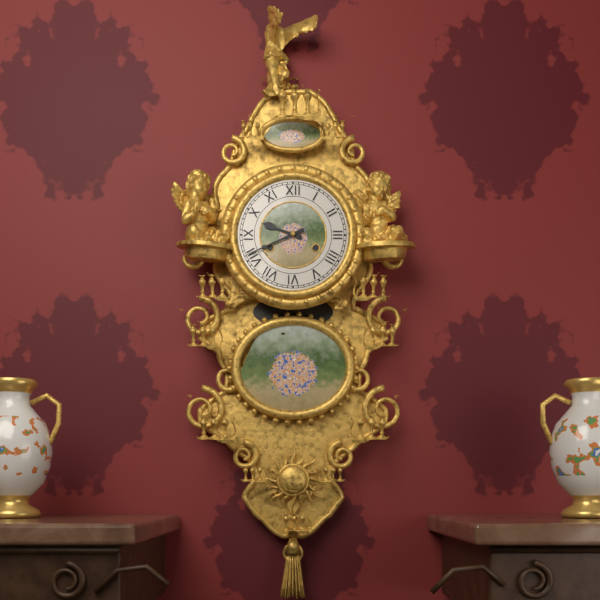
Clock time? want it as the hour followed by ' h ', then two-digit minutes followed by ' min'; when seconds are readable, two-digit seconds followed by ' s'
9 h 41 min
